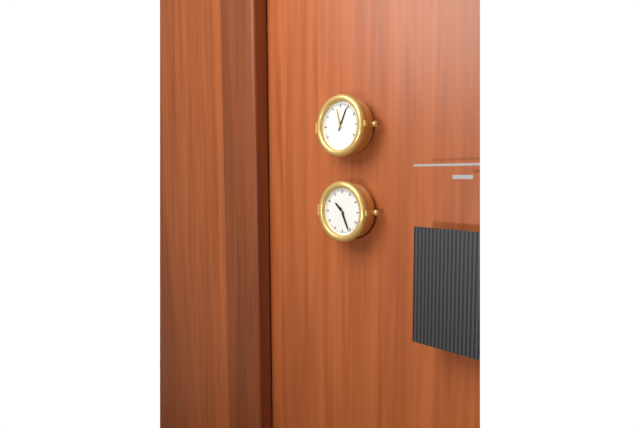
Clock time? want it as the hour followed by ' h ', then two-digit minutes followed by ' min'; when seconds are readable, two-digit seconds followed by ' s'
10 h 26 min
